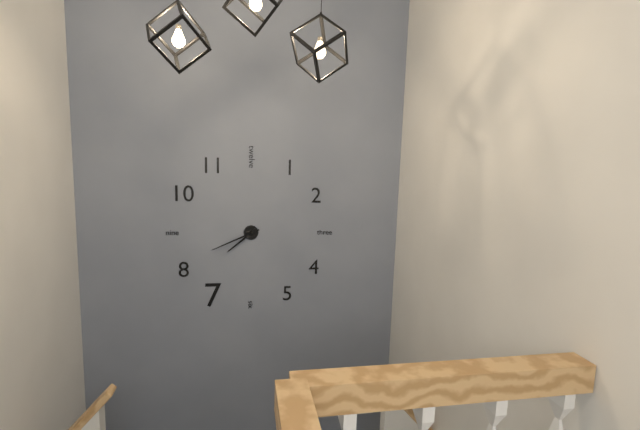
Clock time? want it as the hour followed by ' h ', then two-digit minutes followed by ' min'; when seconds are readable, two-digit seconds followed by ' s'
7 h 41 min
